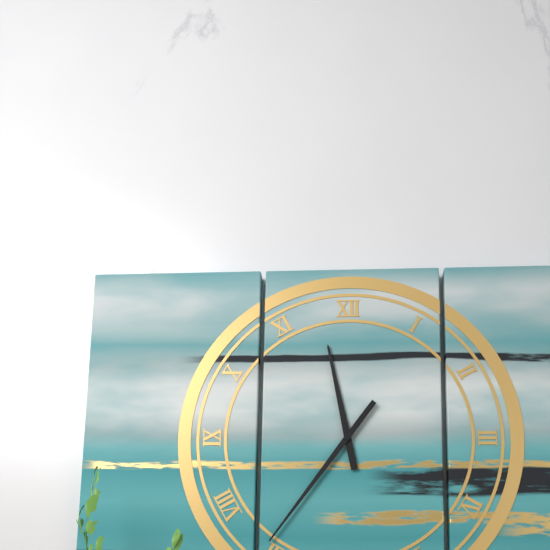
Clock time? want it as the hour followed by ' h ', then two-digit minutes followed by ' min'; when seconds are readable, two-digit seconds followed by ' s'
11 h 36 min
